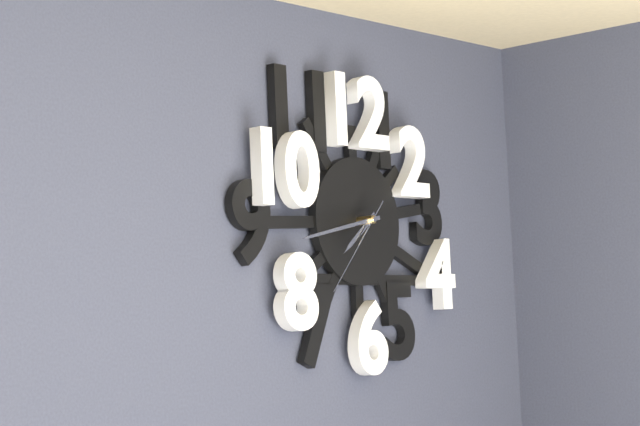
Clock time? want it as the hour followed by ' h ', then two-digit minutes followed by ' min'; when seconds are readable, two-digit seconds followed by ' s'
7 h 43 min 37 s
